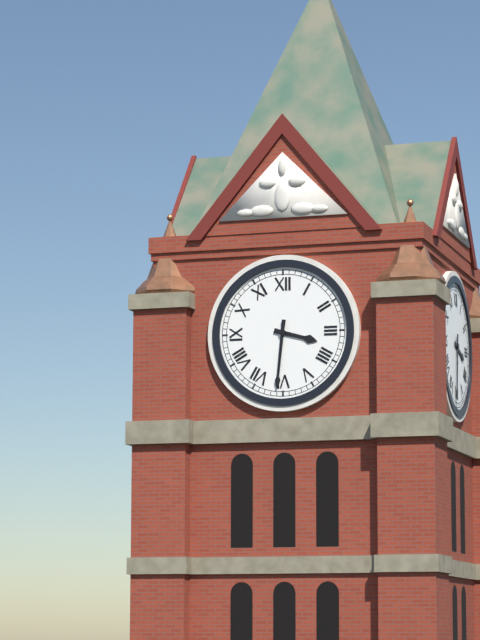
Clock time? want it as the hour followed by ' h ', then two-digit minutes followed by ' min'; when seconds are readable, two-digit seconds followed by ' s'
3 h 31 min
